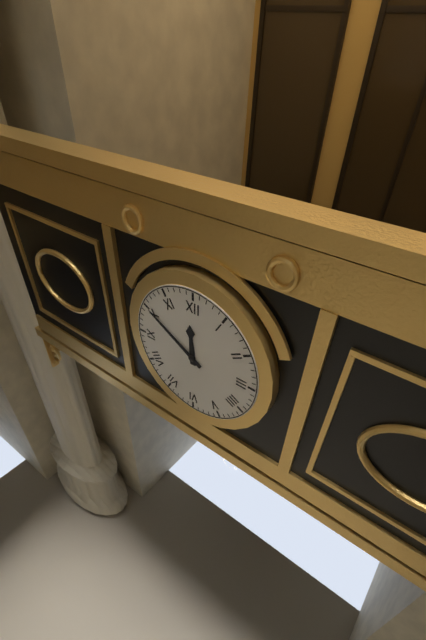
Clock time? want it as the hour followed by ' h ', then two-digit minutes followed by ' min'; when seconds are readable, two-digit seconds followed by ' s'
11 h 50 min
